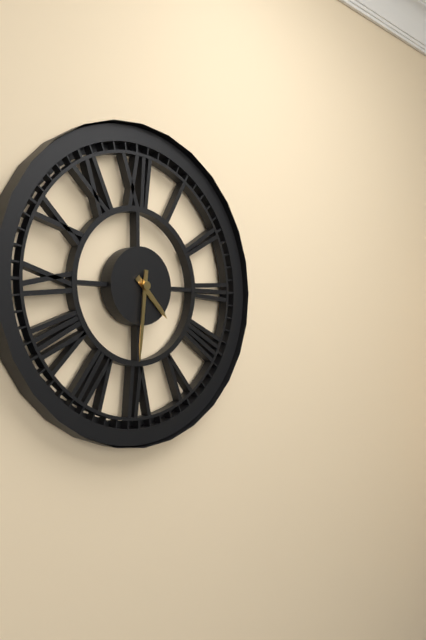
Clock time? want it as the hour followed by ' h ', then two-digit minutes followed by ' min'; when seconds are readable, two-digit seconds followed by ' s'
4 h 31 min
